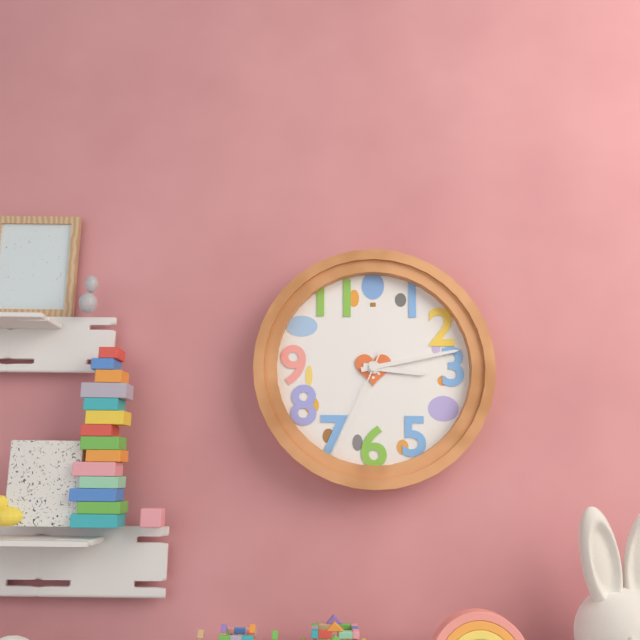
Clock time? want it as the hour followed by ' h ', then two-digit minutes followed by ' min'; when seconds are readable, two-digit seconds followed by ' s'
3 h 13 min 34 s
